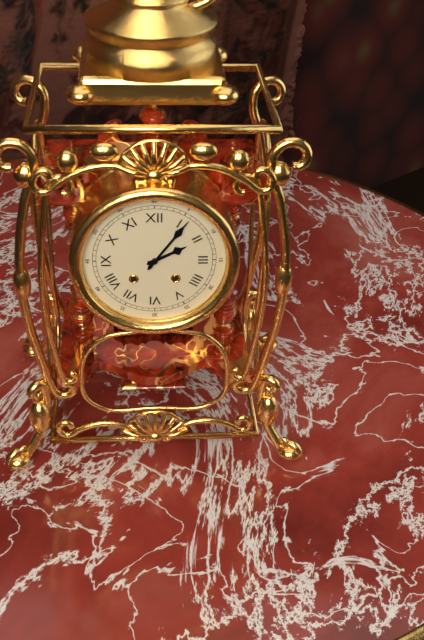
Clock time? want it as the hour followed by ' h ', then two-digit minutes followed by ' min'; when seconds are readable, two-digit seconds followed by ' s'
2 h 06 min
